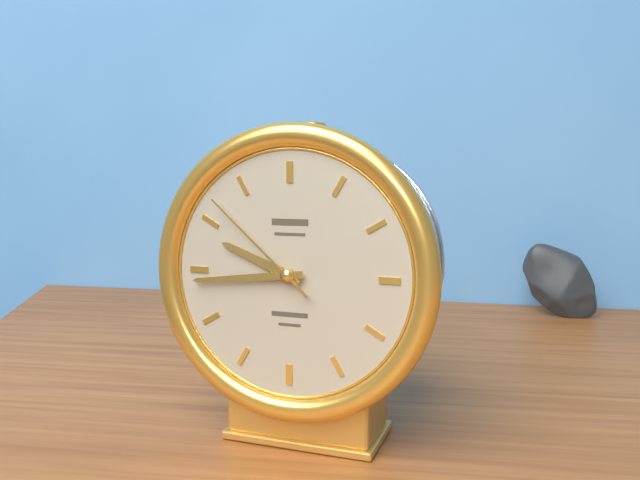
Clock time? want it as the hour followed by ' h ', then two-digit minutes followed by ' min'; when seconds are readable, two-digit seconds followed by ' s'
9 h 44 min 52 s
